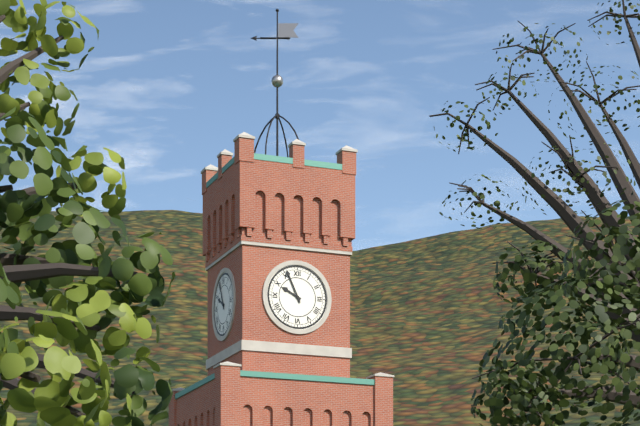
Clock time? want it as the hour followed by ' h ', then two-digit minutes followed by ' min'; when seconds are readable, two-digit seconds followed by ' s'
9 h 56 min
